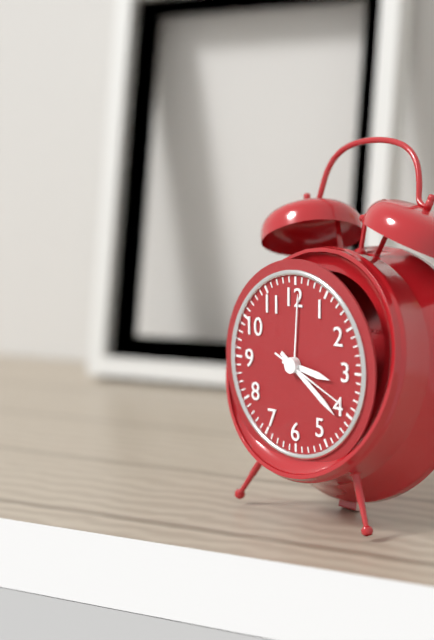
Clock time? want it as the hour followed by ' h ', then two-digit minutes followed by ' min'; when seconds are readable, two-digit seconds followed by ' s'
3 h 21 min 19 s
